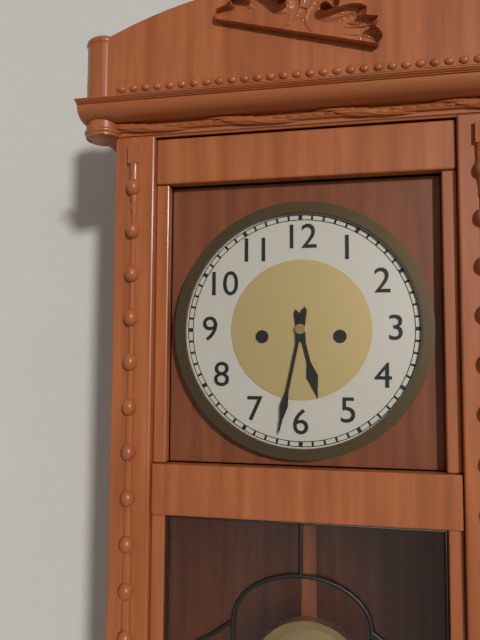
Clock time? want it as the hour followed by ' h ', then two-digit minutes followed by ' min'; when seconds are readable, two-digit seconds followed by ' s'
5 h 32 min
